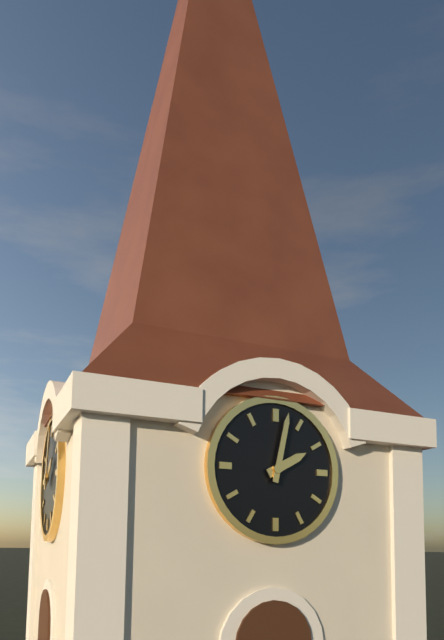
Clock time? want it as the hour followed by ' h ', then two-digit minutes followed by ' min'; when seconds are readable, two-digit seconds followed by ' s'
2 h 02 min
